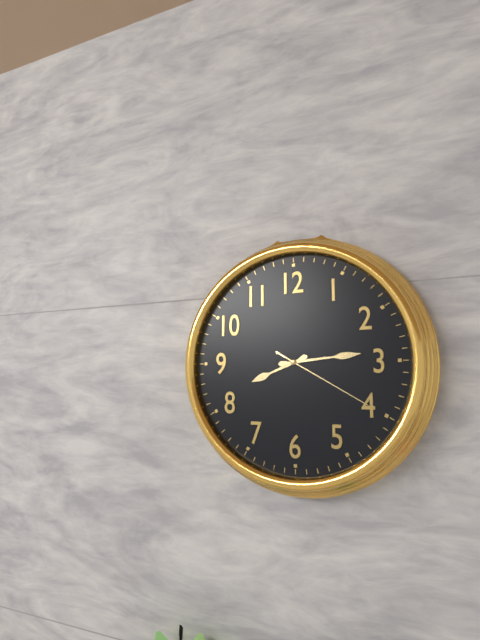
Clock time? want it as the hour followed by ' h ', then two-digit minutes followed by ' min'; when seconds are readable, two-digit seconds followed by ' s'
8 h 14 min 20 s
